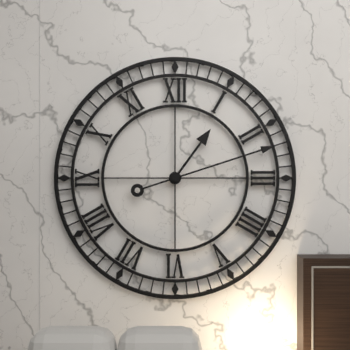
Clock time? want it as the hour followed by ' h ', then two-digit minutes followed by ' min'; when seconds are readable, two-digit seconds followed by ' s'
1 h 12 min
